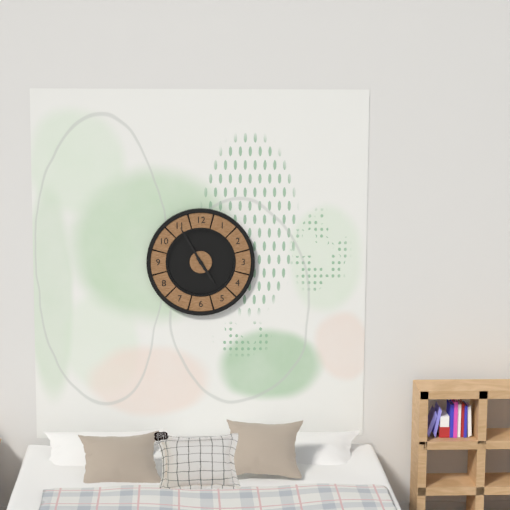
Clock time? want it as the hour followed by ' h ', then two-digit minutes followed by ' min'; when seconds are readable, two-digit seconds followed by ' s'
4 h 55 min
